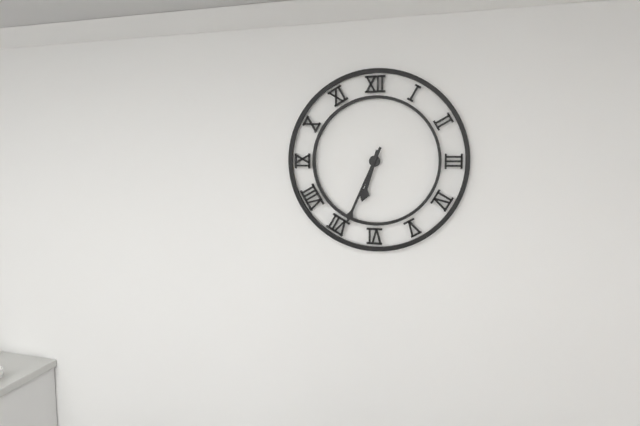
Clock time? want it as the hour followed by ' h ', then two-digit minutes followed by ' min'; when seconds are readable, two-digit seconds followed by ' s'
6 h 34 min
